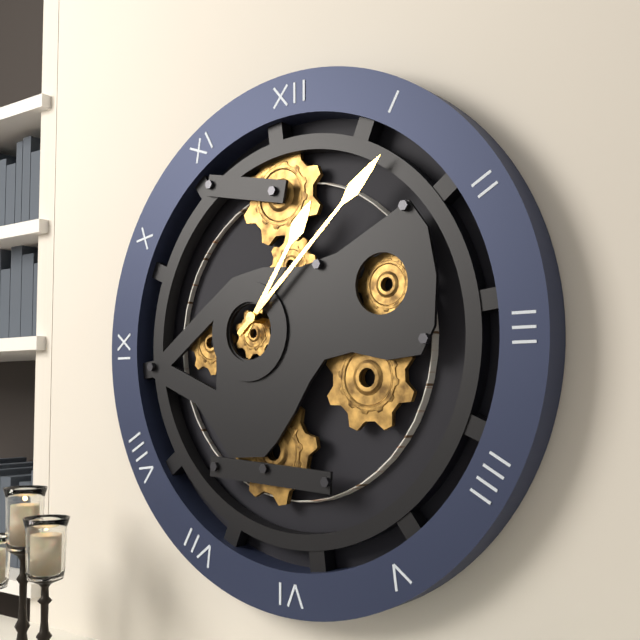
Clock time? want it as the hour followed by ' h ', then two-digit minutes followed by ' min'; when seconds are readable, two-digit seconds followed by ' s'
1 h 08 min
